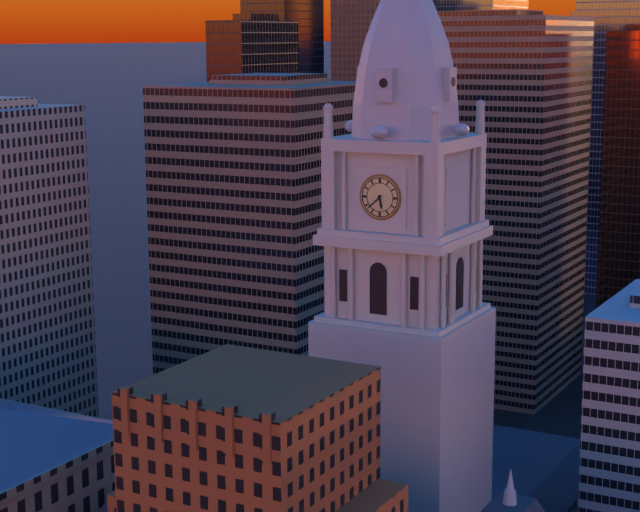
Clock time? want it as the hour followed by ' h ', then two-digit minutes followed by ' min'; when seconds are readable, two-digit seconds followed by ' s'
5 h 38 min
